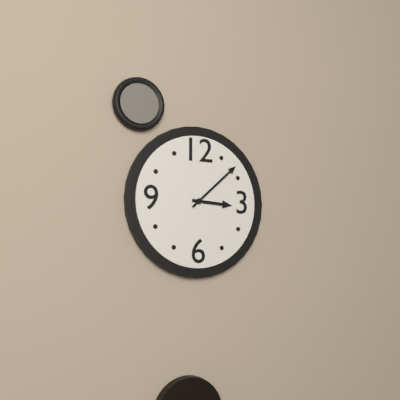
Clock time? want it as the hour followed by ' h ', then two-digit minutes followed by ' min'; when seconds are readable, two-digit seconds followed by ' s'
3 h 08 min
